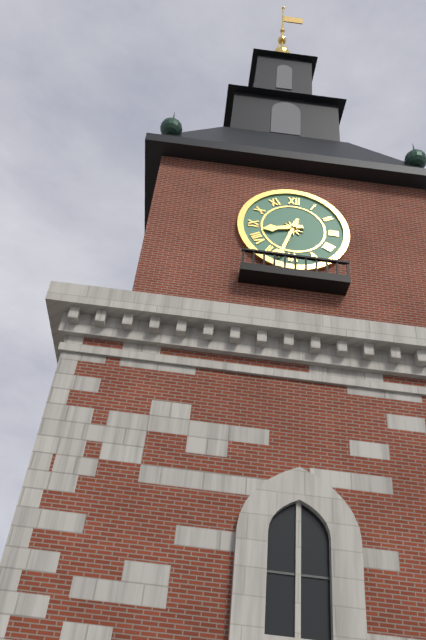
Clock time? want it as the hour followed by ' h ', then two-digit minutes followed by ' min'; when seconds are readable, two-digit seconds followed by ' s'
8 h 33 min
